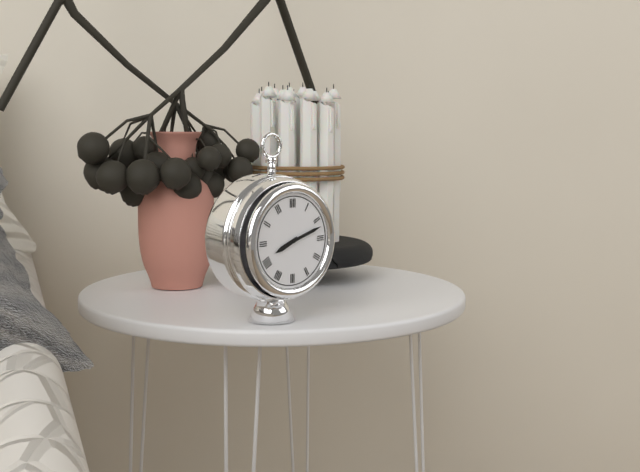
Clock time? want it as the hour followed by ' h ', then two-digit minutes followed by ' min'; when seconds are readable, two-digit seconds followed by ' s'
8 h 12 min
